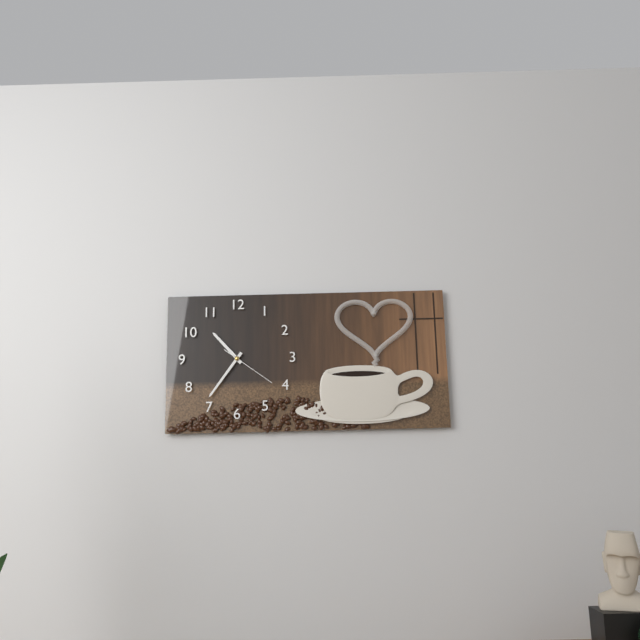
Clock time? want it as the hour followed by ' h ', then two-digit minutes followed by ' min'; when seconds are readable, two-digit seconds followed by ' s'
10 h 36 min 21 s
